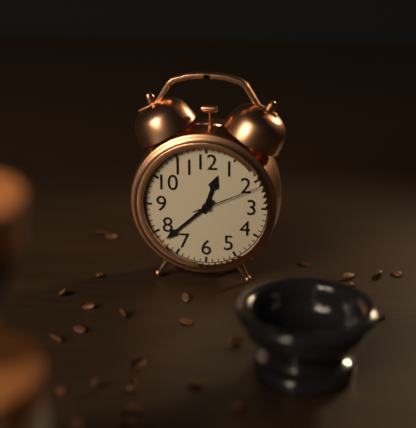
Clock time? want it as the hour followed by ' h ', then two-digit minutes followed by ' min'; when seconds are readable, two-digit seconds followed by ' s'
12 h 38 min 11 s
